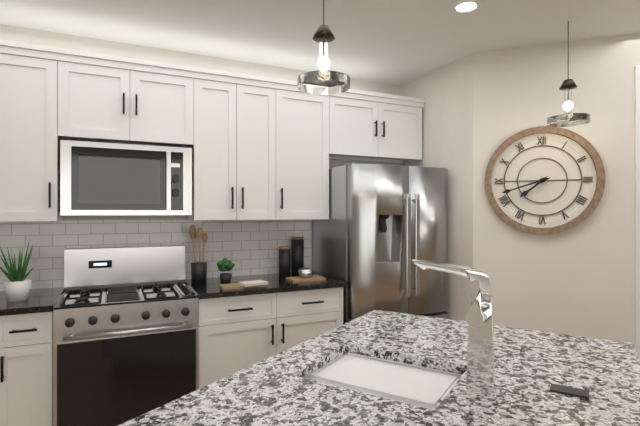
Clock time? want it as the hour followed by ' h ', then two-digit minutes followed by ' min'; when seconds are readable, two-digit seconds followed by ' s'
7 h 42 min
